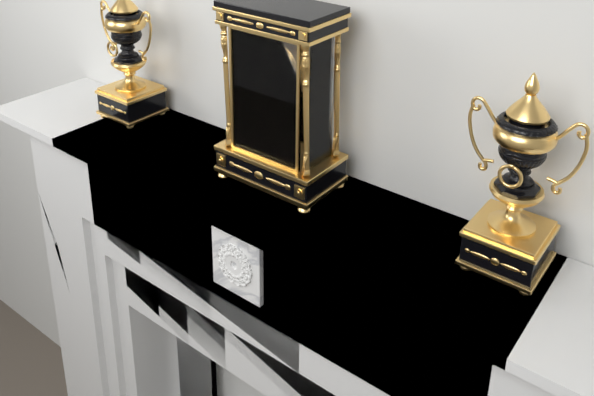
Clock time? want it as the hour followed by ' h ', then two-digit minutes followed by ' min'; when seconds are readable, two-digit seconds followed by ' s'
6 h 05 min
